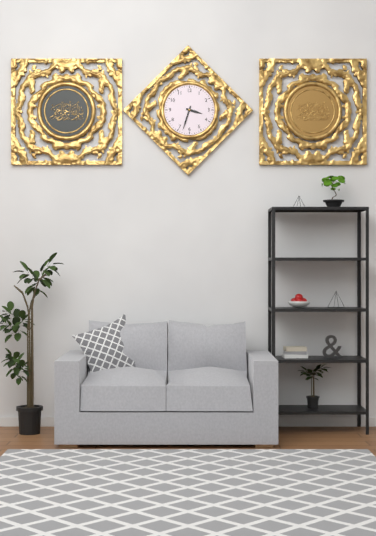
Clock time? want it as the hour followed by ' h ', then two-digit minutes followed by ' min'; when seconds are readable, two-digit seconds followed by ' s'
3 h 33 min
